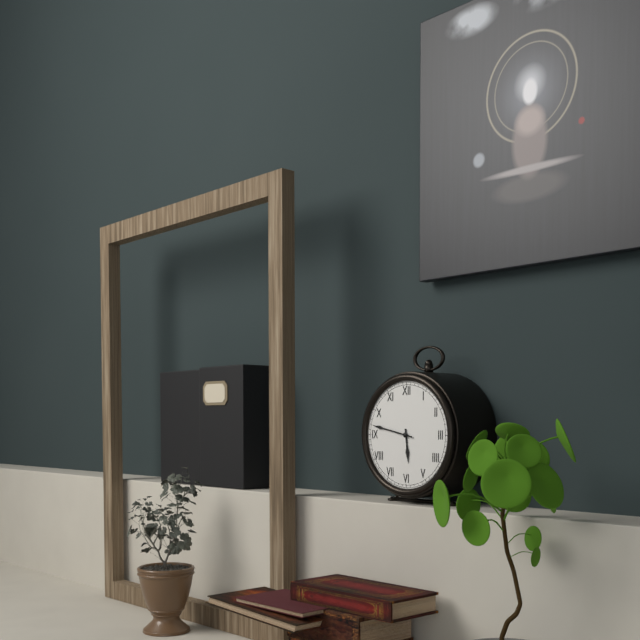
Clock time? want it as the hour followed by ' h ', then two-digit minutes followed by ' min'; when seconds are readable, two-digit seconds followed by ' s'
5 h 47 min
